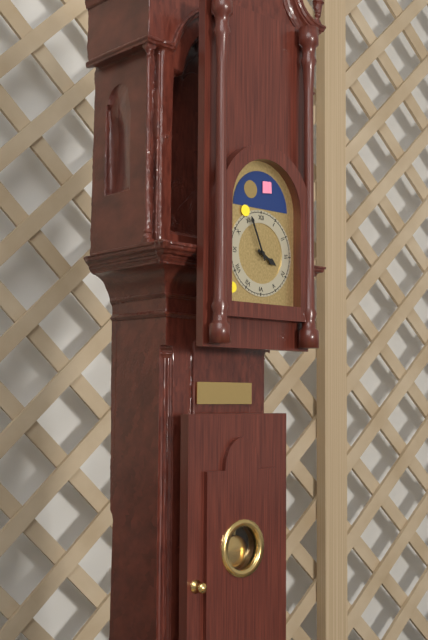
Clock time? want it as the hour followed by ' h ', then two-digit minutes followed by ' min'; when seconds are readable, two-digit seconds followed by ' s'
3 h 56 min
